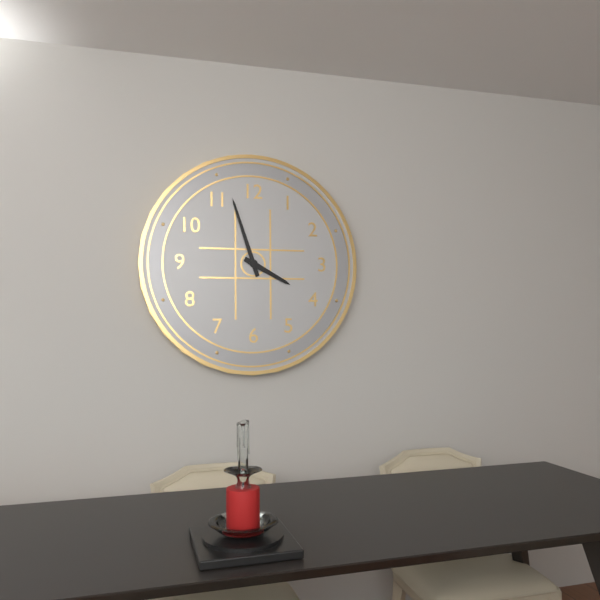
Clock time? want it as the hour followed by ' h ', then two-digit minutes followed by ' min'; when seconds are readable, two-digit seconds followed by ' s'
3 h 57 min
